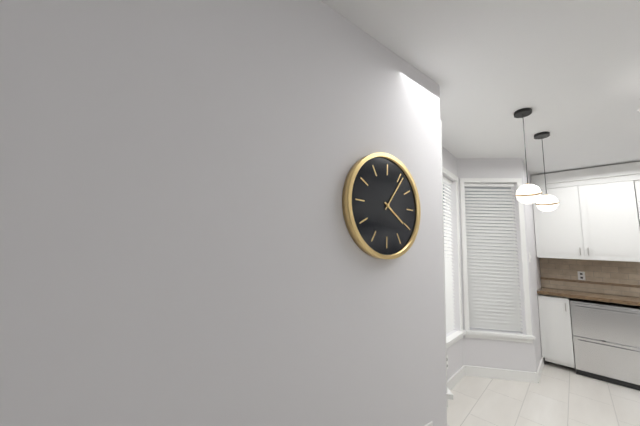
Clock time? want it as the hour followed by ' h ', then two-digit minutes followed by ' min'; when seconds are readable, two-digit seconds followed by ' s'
4 h 06 min
